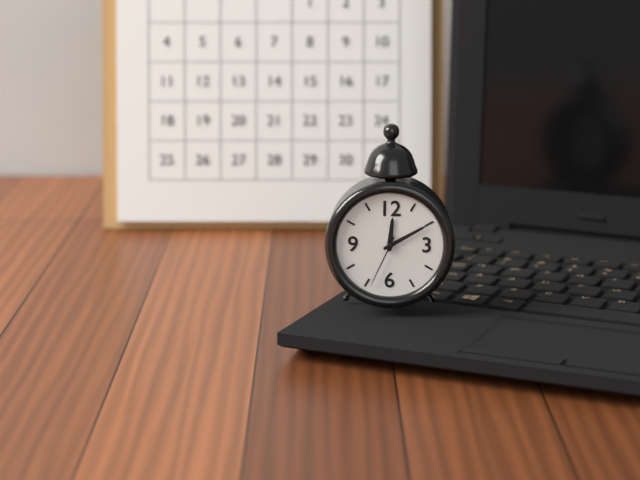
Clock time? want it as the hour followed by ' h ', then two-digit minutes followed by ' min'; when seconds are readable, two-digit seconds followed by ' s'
12 h 10 min 34 s
